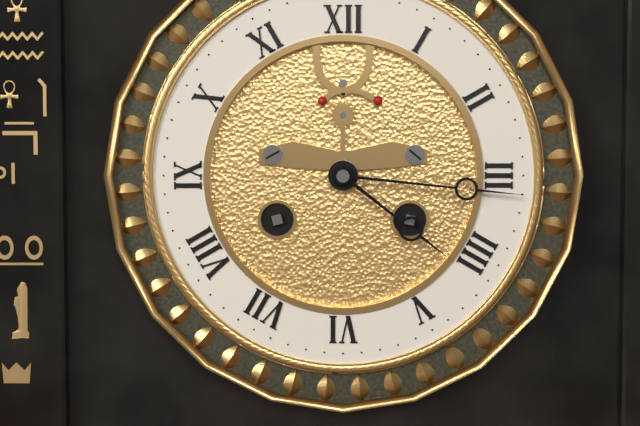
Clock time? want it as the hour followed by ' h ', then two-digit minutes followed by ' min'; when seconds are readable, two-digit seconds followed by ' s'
4 h 16 min
